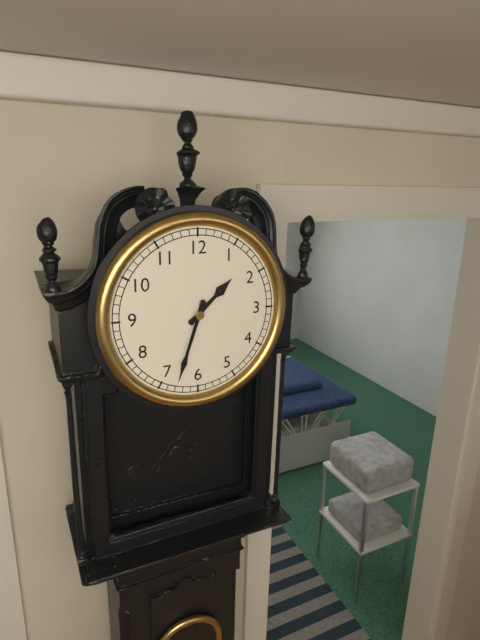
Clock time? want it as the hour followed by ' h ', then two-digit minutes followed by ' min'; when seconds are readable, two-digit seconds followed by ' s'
1 h 33 min
